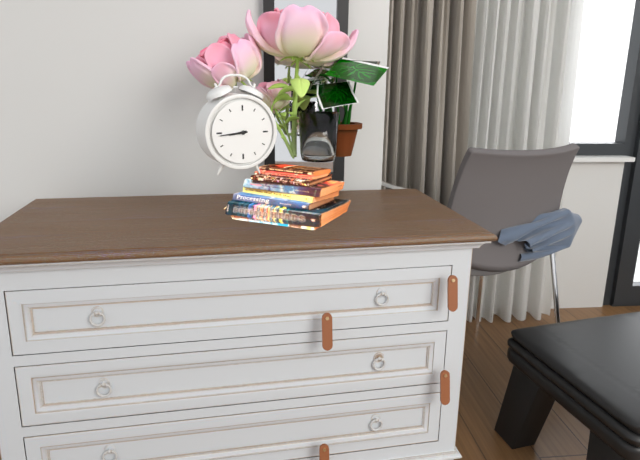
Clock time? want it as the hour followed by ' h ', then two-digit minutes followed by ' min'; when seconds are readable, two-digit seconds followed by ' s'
8 h 44 min
